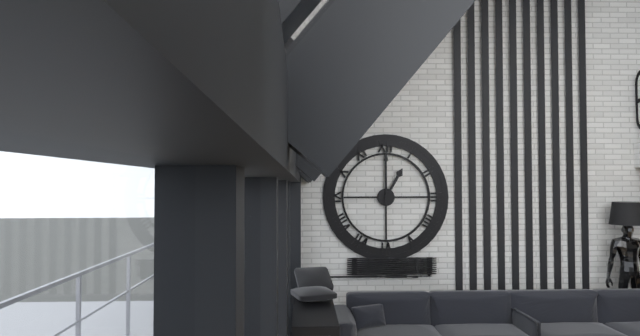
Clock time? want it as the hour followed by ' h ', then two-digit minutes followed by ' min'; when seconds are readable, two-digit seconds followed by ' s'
1 h 00 min
